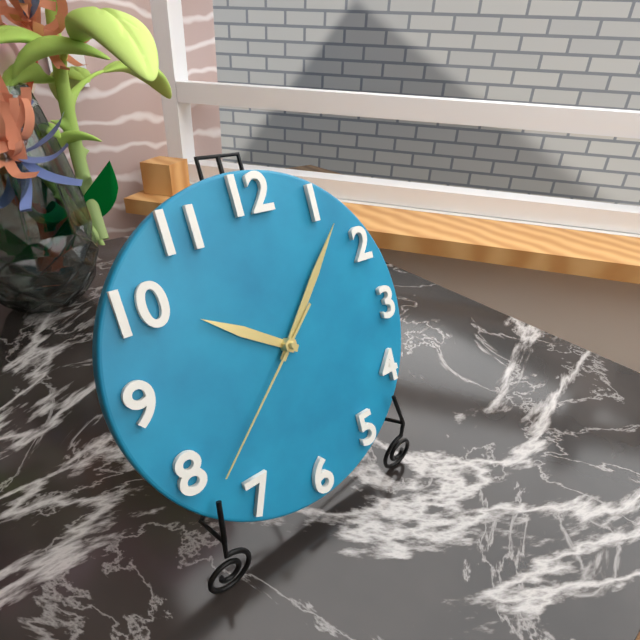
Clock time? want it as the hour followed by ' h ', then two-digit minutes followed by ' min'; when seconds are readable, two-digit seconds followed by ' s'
10 h 07 min 38 s
